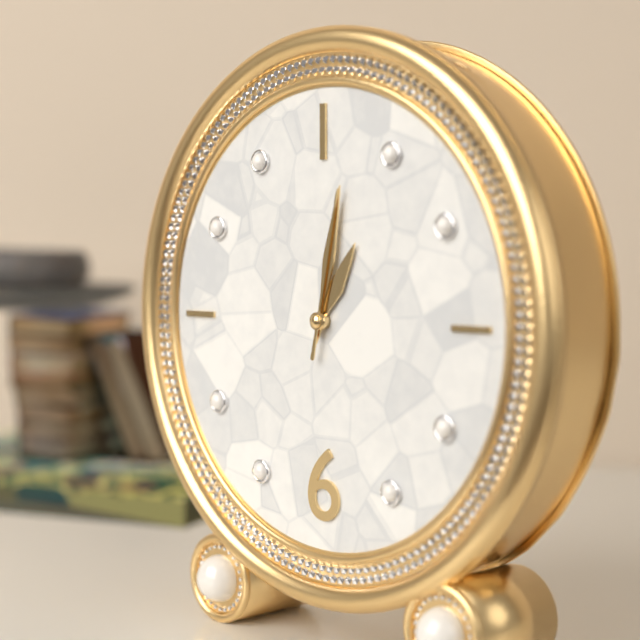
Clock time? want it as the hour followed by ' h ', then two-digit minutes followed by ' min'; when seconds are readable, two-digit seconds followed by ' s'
1 h 02 min 02 s
